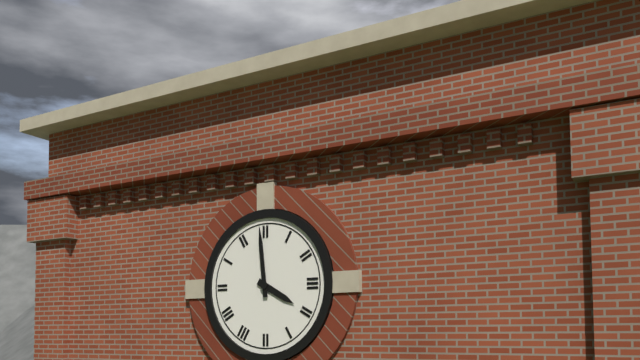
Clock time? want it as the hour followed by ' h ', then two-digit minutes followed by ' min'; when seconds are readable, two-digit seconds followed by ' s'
3 h 59 min
